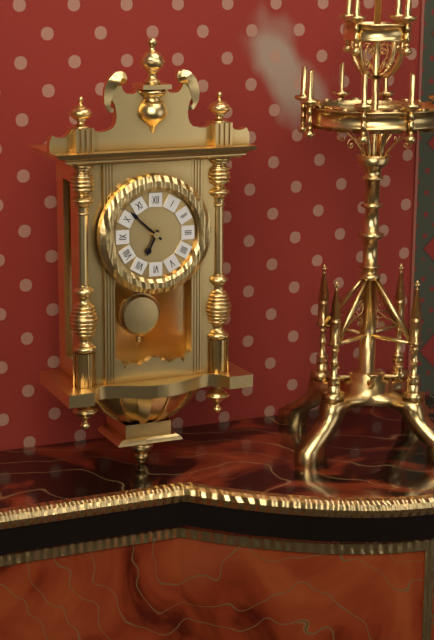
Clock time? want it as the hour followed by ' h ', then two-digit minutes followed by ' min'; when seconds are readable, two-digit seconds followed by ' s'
6 h 52 min
